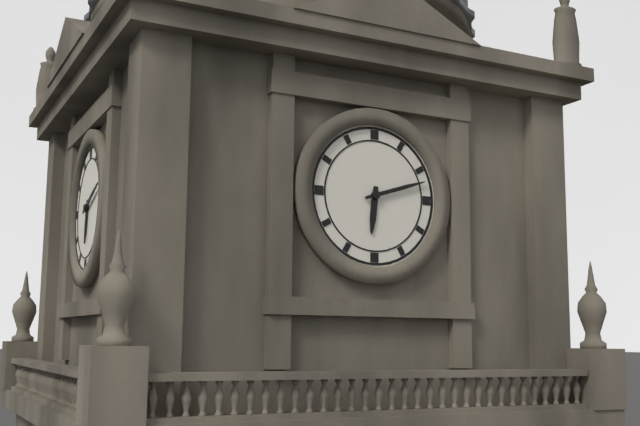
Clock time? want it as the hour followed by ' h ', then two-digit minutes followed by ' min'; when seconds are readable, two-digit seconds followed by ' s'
6 h 12 min
